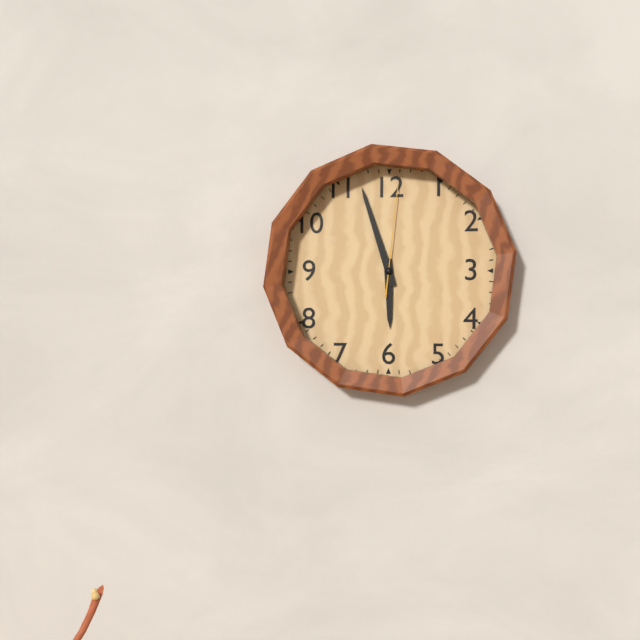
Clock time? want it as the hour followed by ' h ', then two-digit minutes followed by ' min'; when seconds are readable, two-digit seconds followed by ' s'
5 h 57 min 01 s
